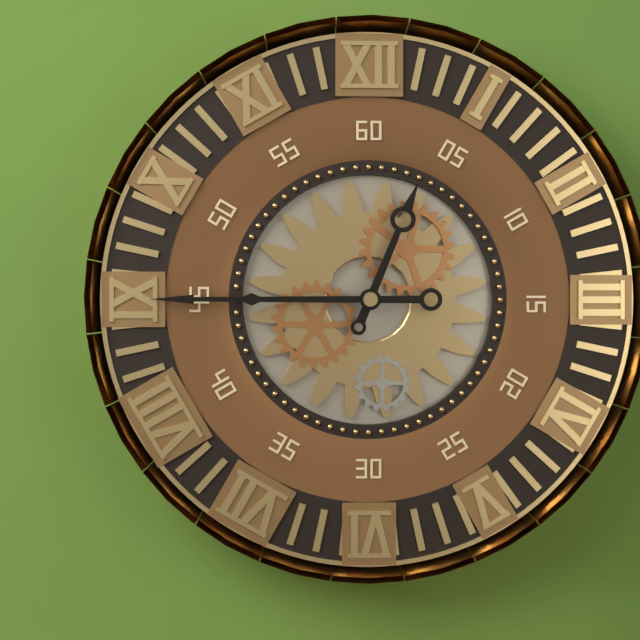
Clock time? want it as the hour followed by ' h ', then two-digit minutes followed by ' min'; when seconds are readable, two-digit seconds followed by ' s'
12 h 45 min
